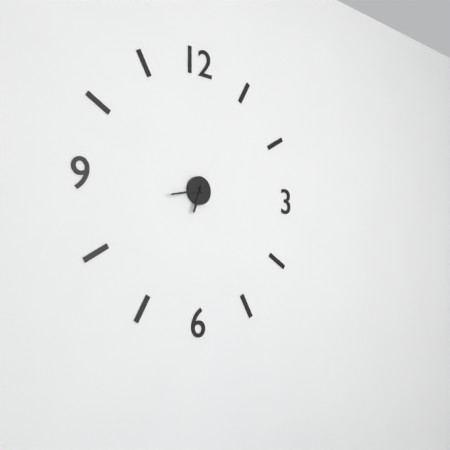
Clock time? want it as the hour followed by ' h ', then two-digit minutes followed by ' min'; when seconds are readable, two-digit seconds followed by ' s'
6 h 43 min
